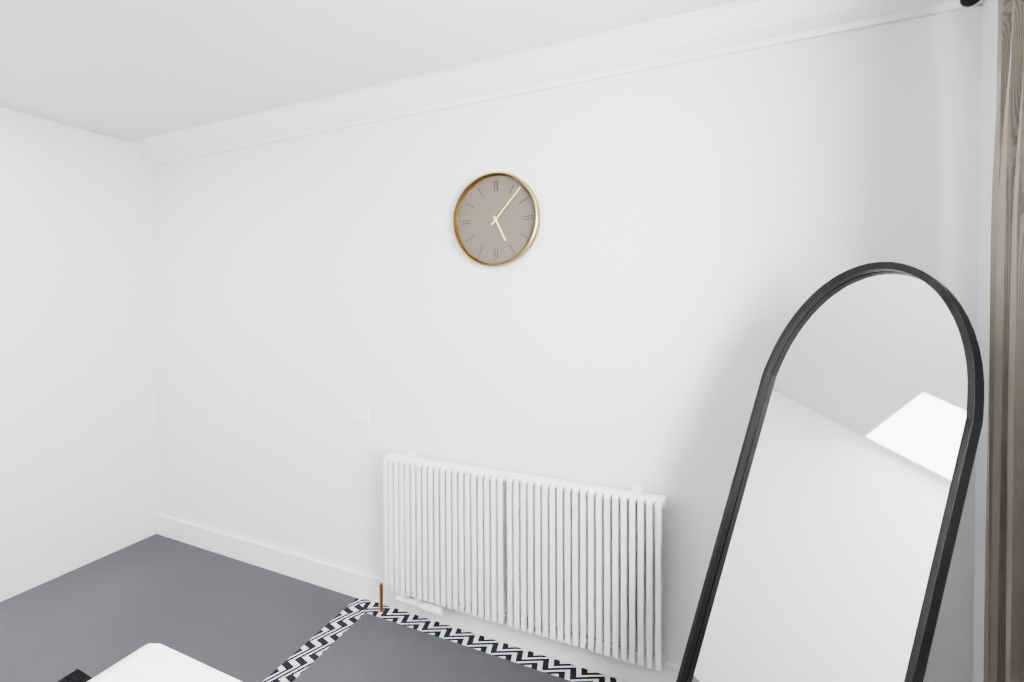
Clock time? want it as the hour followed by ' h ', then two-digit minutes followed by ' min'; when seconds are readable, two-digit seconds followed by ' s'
5 h 07 min
